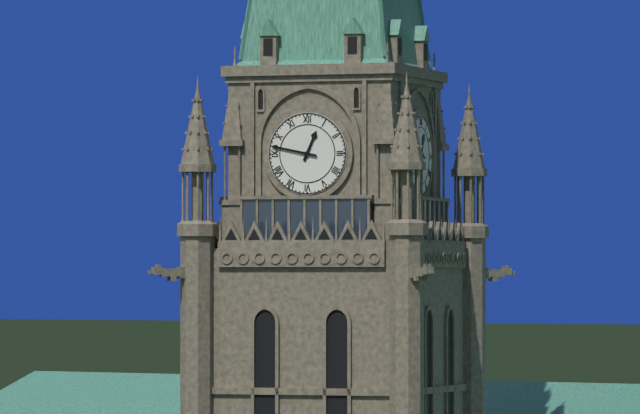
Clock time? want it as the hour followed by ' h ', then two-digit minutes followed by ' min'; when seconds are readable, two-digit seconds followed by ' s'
12 h 47 min
